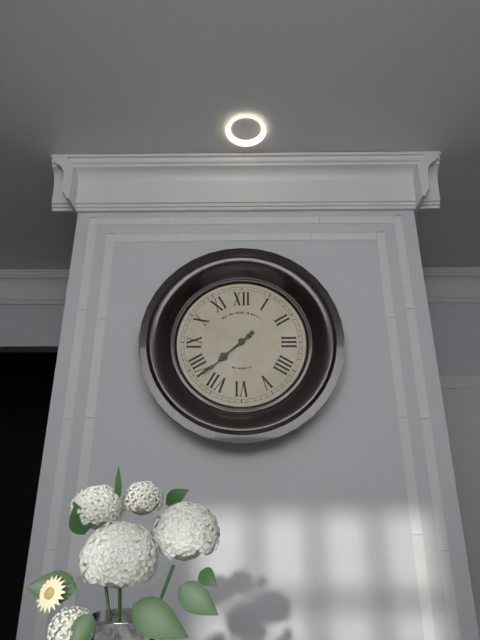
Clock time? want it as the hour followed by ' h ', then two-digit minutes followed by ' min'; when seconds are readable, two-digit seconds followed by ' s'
7 h 38 min
